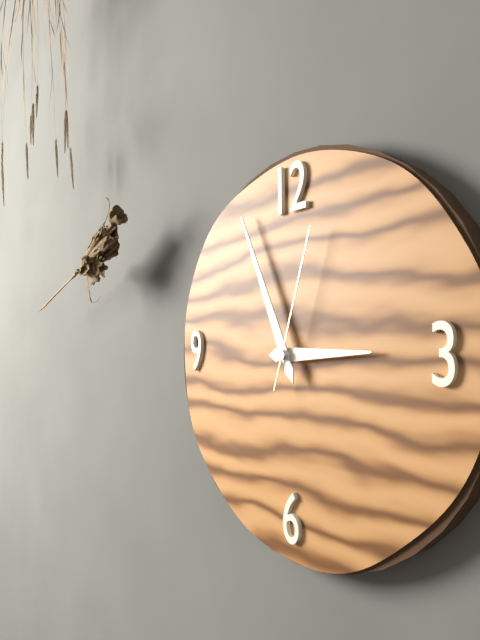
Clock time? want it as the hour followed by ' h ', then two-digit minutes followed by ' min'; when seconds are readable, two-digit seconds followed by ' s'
2 h 56 min 03 s
